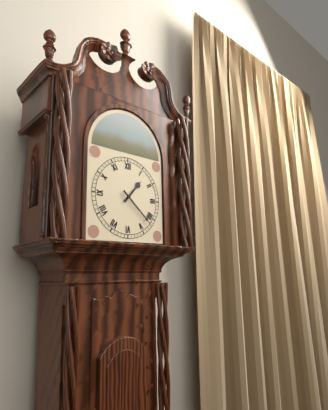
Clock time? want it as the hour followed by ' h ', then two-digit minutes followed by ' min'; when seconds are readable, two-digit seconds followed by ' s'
1 h 22 min
